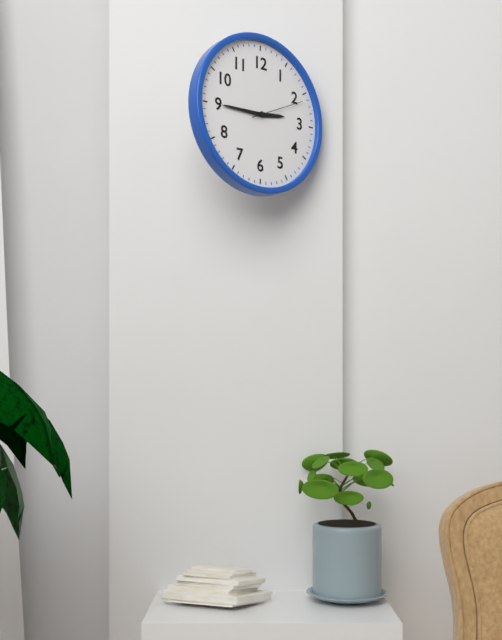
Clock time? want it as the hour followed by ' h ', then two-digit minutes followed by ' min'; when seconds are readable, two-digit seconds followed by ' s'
2 h 45 min 11 s
